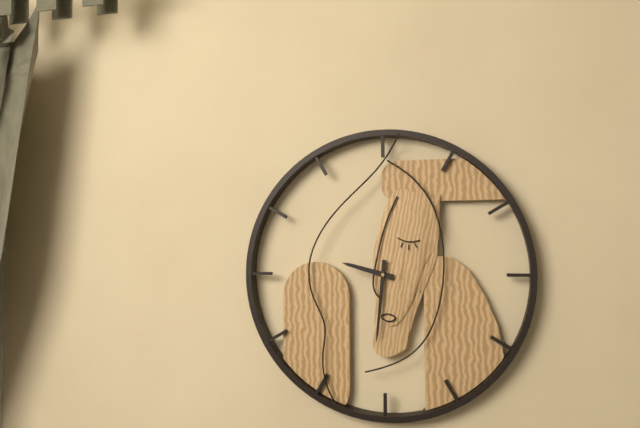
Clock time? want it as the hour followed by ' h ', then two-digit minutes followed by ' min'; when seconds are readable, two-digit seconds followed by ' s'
9 h 31 min
